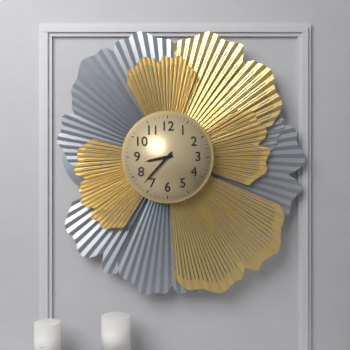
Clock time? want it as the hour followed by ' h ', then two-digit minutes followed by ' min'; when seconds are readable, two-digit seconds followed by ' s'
8 h 37 min
